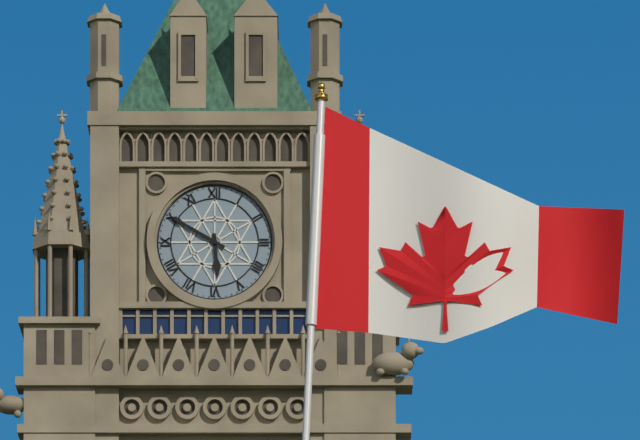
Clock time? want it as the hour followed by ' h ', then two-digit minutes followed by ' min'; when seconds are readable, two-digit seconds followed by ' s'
5 h 50 min
